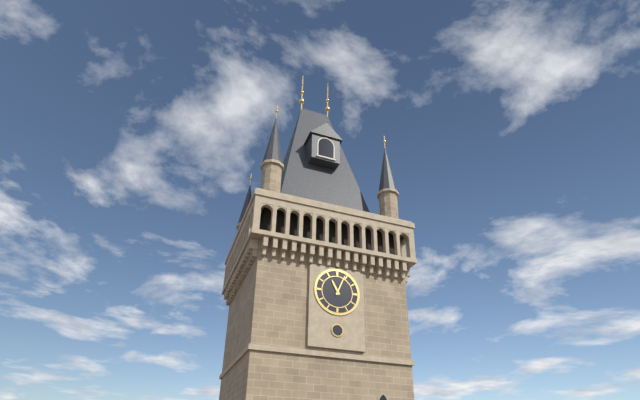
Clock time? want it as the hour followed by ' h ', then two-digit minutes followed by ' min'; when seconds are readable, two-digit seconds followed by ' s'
11 h 04 min
